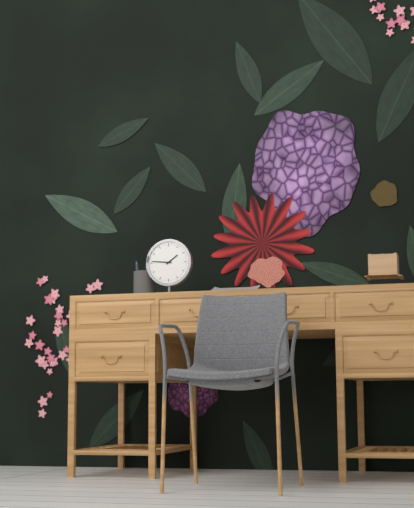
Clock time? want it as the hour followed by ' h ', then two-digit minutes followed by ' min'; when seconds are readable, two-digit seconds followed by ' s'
1 h 46 min
